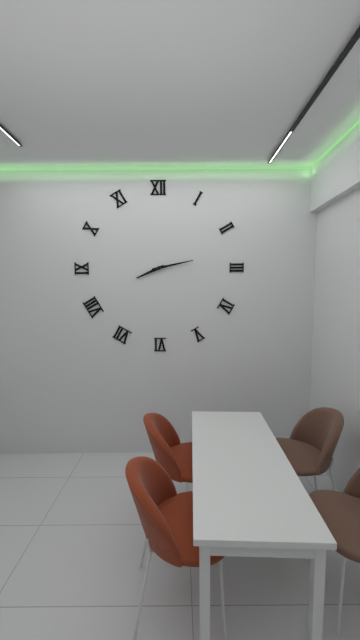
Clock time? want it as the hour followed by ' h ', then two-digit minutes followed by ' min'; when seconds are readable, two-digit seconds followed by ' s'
8 h 13 min
